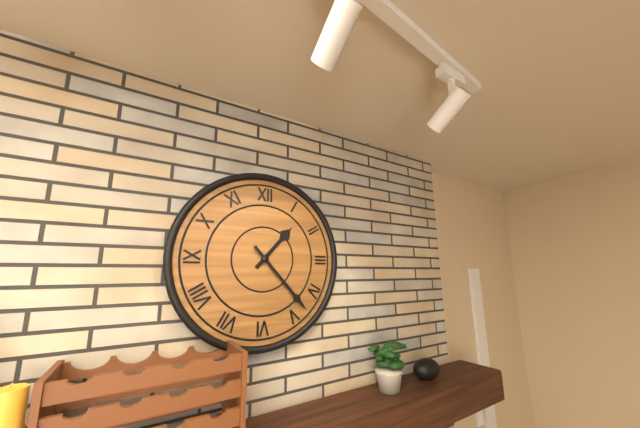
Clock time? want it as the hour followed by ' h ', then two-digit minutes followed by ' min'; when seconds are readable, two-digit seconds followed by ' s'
1 h 23 min
